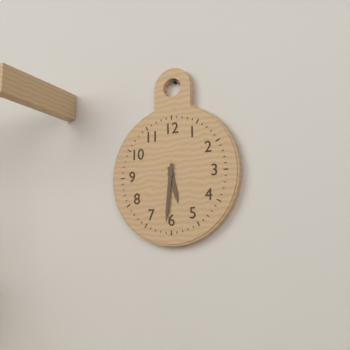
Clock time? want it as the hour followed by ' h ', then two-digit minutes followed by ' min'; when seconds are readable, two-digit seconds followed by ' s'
5 h 31 min
